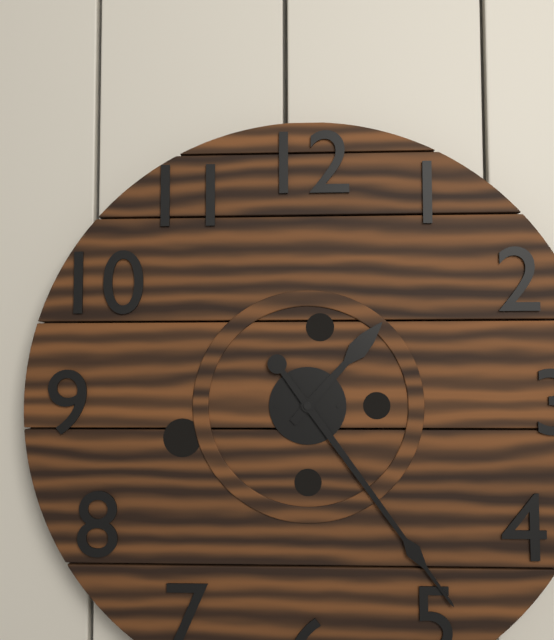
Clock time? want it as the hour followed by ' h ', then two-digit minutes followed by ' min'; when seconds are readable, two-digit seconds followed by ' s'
1 h 24 min
